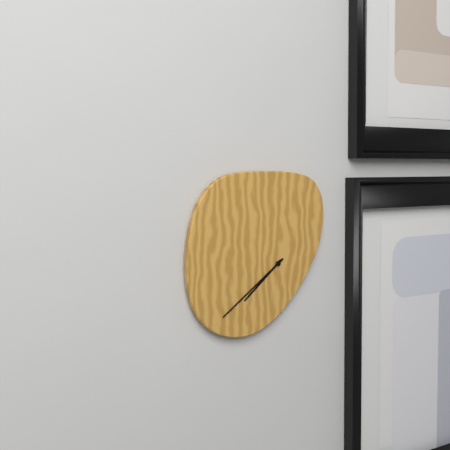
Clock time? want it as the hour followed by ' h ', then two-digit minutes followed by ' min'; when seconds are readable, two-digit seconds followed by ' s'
7 h 39 min
